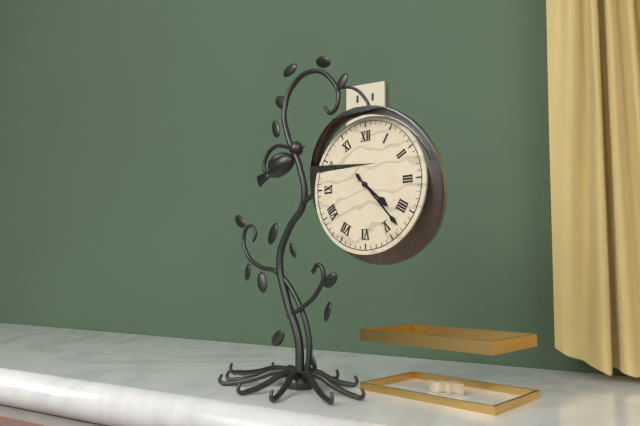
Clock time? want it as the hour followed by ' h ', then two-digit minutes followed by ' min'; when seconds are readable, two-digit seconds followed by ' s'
4 h 23 min
